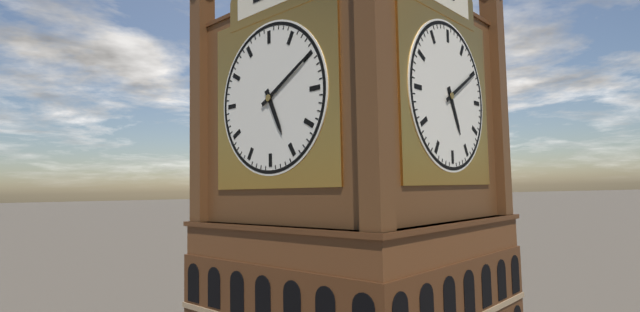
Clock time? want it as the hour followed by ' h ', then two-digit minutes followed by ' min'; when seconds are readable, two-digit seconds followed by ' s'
5 h 10 min
